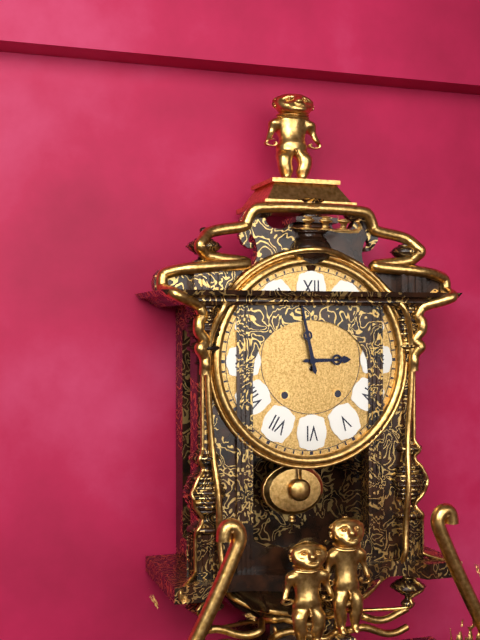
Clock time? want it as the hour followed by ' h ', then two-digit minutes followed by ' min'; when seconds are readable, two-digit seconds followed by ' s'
2 h 58 min
